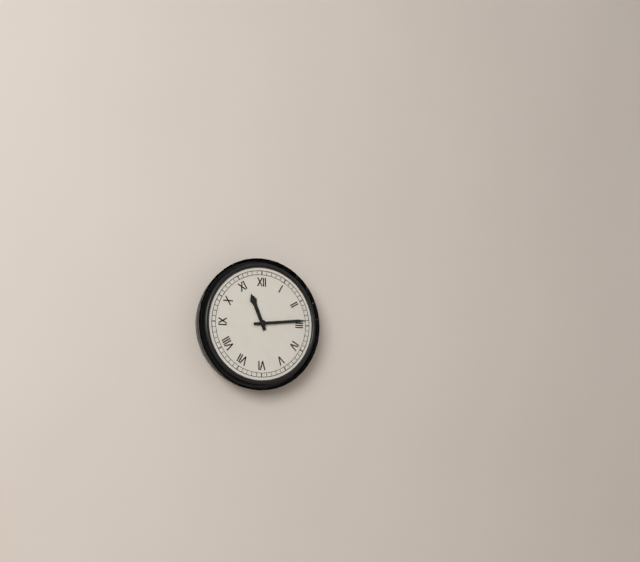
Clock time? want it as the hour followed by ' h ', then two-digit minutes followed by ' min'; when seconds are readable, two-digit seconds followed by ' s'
11 h 14 min
